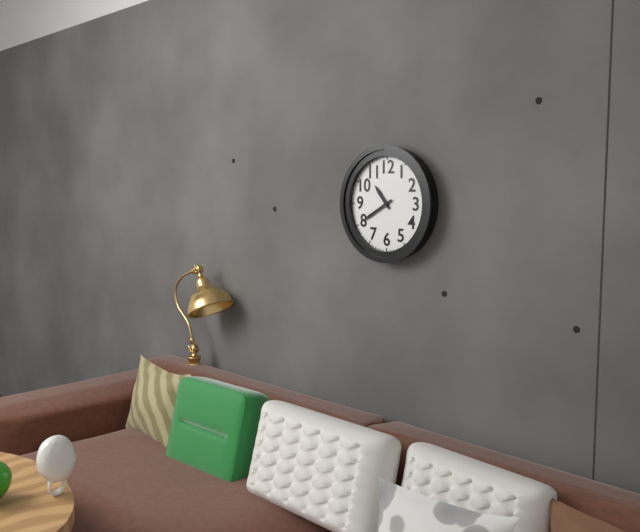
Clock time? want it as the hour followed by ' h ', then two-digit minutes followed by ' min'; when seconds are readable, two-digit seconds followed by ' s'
10 h 40 min
